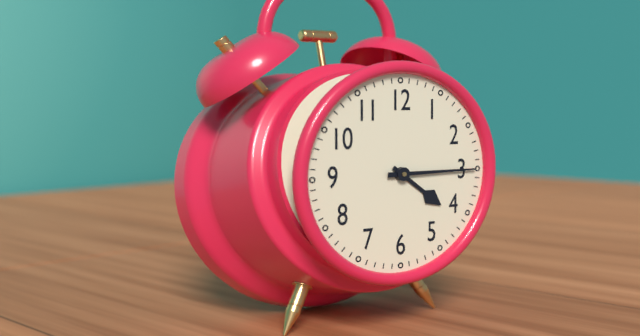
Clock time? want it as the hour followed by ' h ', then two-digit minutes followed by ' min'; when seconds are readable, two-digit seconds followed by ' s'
4 h 15 min
